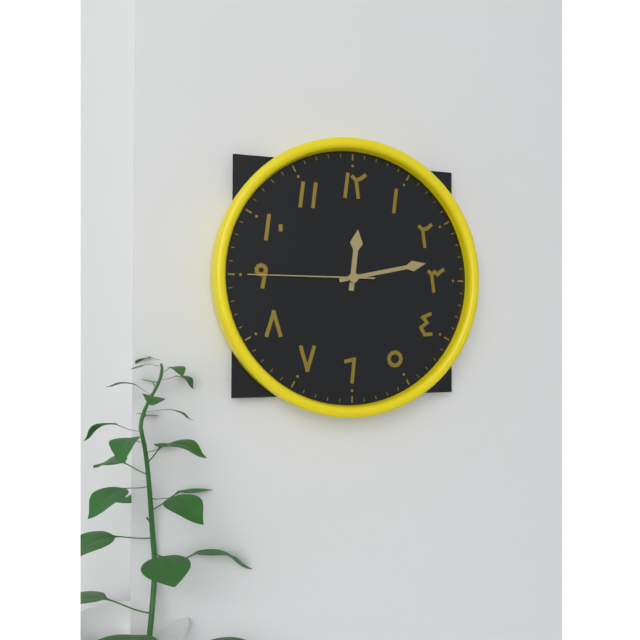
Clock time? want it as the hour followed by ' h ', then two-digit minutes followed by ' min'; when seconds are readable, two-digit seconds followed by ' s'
12 h 13 min 45 s
